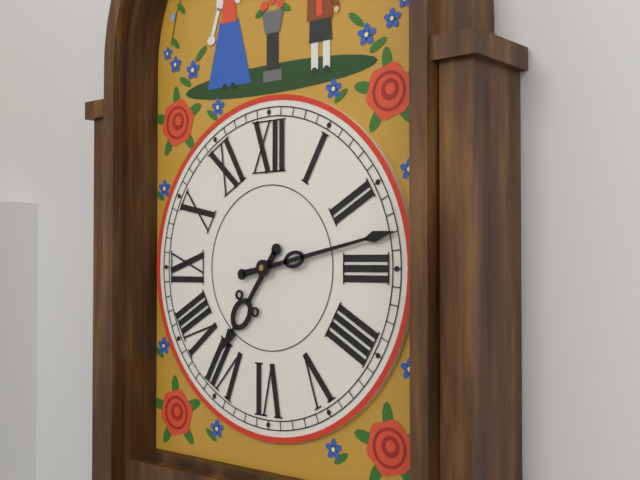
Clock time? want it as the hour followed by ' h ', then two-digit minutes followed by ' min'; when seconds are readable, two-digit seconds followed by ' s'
7 h 13 min
